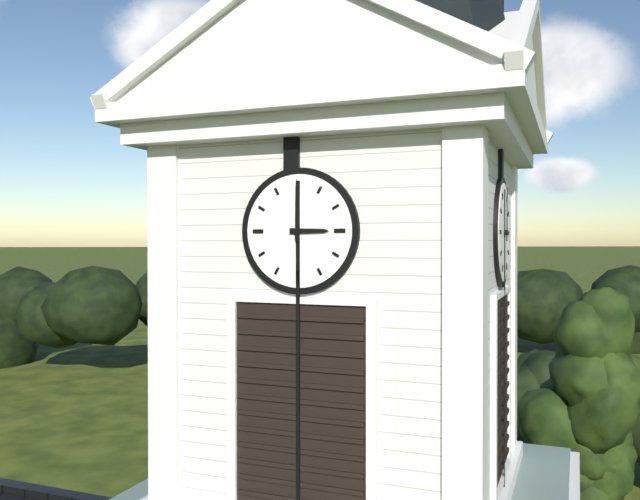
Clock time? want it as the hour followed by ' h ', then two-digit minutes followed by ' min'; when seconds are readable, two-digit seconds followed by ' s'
3 h 00 min
